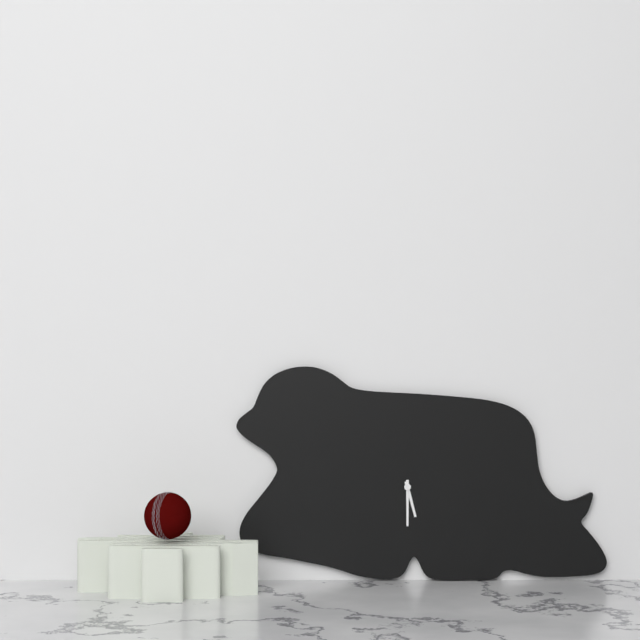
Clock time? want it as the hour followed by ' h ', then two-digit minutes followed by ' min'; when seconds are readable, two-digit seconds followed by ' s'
5 h 30 min
